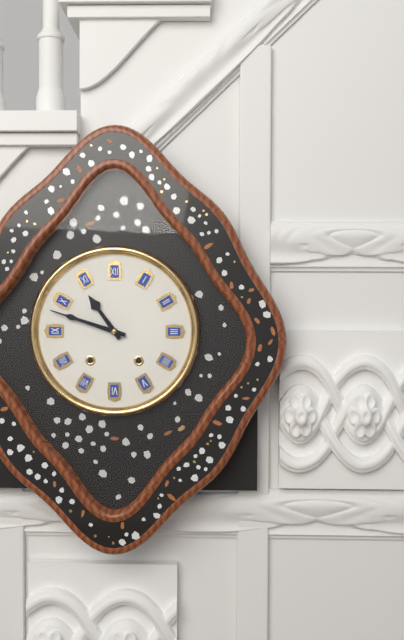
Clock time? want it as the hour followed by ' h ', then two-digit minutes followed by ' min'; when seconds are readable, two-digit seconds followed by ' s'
10 h 48 min
